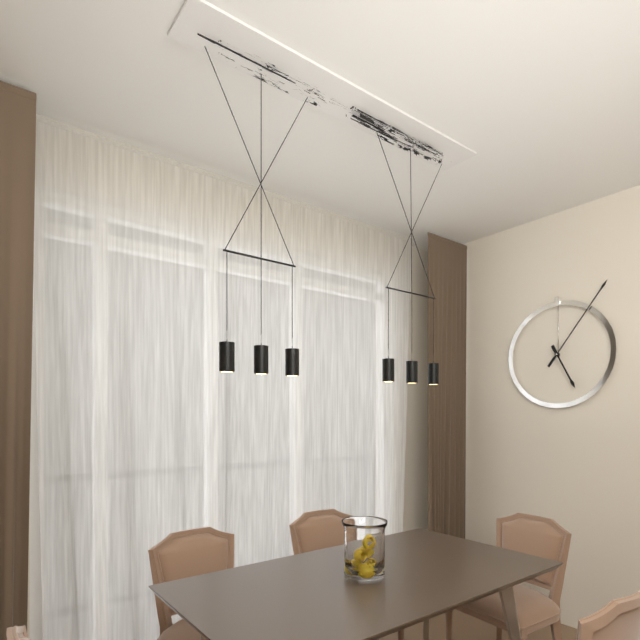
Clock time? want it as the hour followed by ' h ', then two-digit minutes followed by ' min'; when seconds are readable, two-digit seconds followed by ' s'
5 h 06 min
